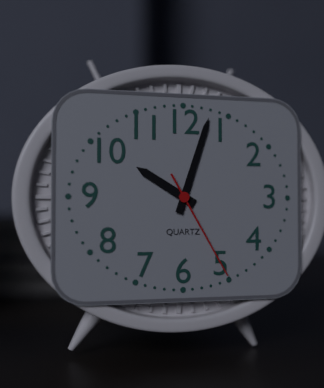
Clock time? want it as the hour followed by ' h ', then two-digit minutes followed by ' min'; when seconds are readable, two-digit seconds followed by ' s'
10 h 03 min 25 s
